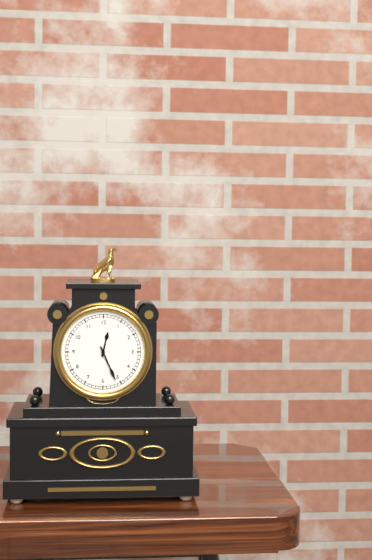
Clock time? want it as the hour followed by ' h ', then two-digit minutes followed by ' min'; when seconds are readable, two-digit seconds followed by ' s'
12 h 26 min
